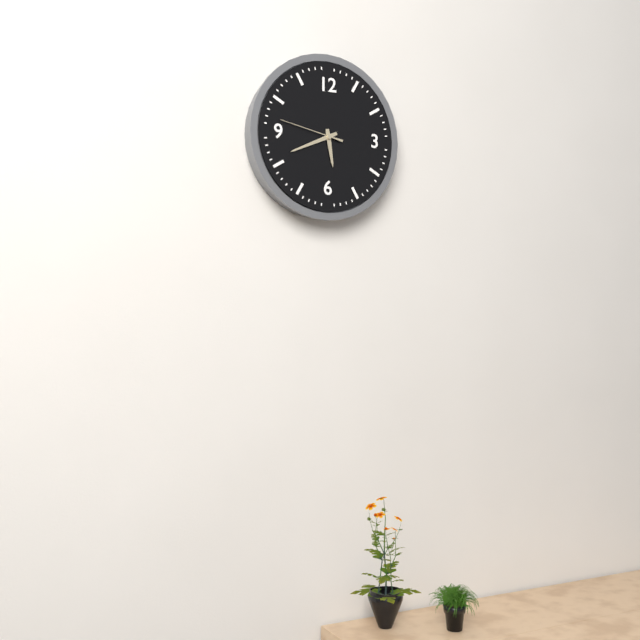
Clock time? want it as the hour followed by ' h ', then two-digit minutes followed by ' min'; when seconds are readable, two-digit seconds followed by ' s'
5 h 41 min 47 s
